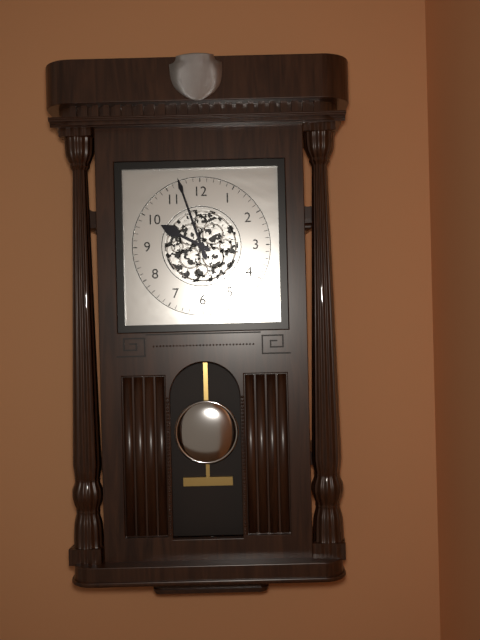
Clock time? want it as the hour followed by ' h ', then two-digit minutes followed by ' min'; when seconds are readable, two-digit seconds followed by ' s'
9 h 57 min
